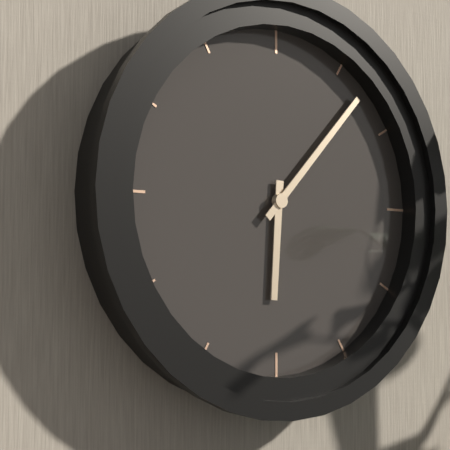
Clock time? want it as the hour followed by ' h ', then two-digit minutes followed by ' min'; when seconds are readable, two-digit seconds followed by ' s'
6 h 07 min
